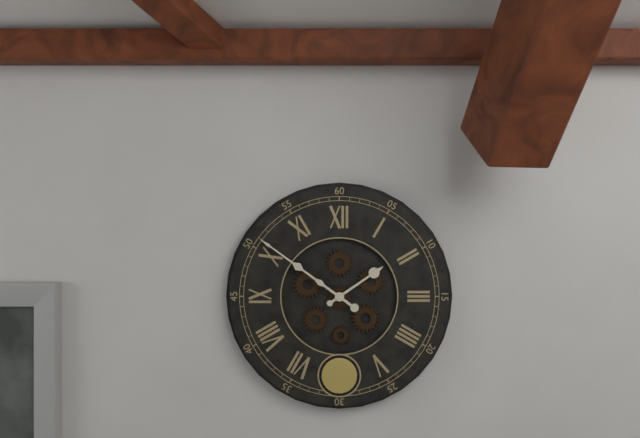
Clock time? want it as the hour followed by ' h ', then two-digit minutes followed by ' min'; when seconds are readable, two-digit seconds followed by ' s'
1 h 51 min
